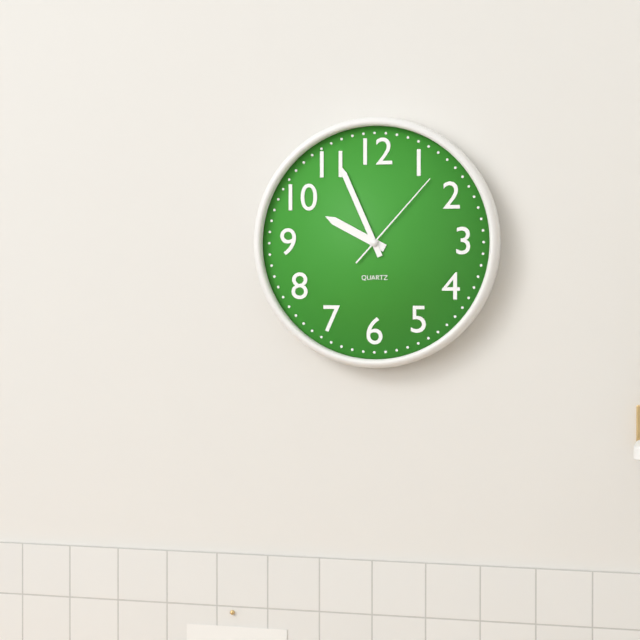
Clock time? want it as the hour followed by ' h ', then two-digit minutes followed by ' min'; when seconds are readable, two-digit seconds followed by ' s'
9 h 56 min 07 s
